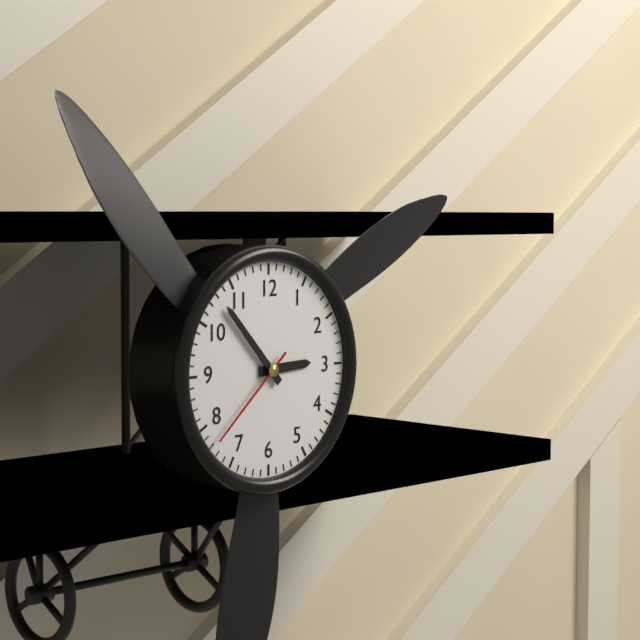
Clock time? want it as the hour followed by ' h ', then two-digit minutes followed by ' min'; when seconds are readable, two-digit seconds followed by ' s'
2 h 53 min 38 s
